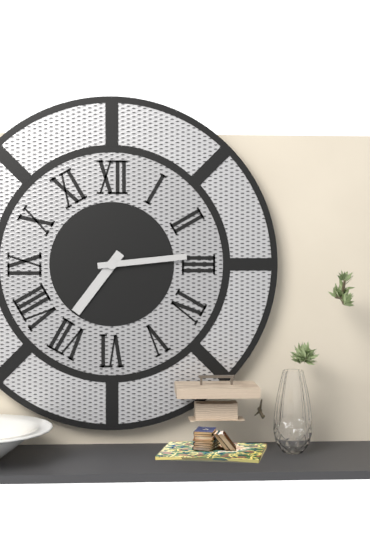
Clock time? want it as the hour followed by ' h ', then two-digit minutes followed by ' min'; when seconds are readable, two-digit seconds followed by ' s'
7 h 14 min
